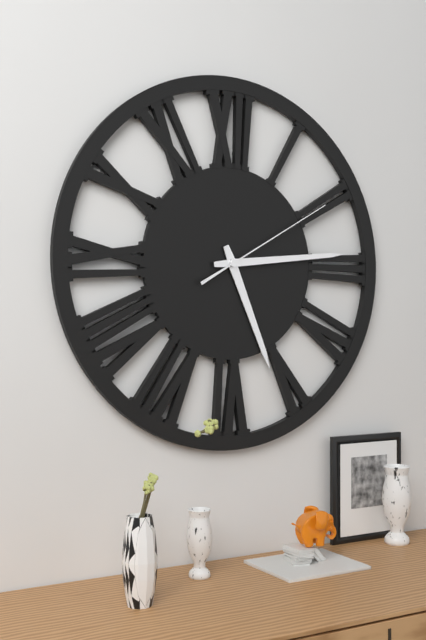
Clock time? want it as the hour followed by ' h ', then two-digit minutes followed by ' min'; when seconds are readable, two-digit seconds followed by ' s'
5 h 14 min 10 s
